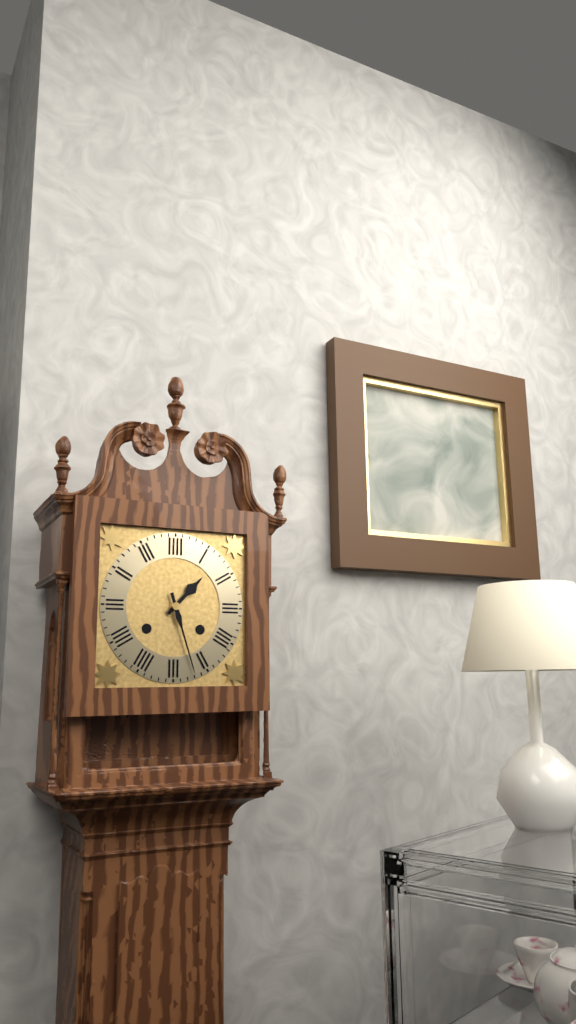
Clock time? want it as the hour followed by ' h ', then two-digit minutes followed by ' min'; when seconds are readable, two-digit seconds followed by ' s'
1 h 27 min
